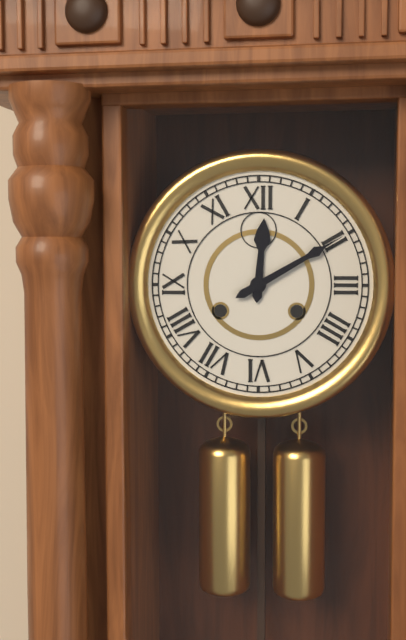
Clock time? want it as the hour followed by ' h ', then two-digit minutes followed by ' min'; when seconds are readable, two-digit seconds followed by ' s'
12 h 10 min
